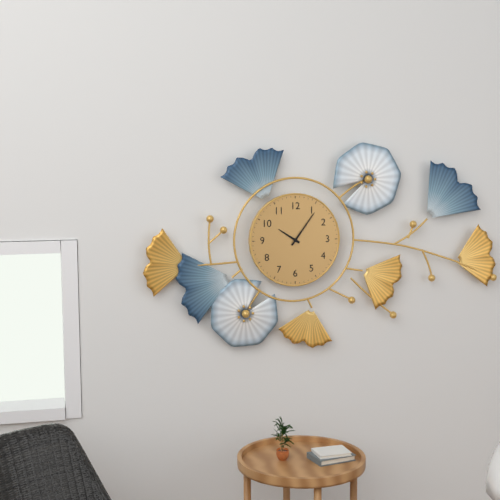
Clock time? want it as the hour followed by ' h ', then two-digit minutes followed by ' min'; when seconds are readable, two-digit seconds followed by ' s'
10 h 06 min
